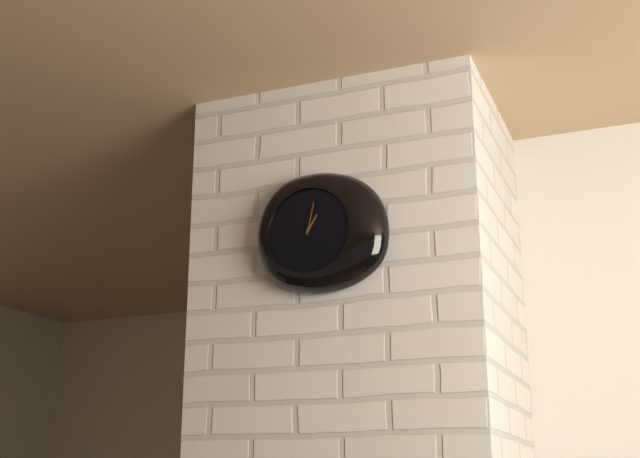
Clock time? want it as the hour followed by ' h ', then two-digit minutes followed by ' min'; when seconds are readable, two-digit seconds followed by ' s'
1 h 02 min
